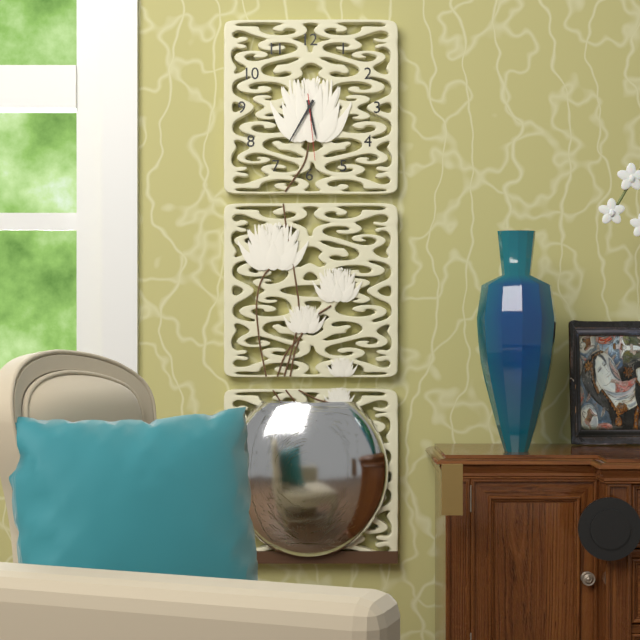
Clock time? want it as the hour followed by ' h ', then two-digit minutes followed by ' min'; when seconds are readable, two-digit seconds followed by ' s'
5 h 35 min 29 s
